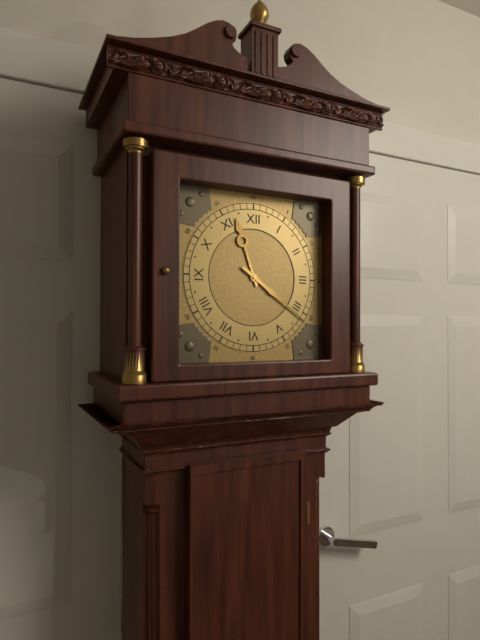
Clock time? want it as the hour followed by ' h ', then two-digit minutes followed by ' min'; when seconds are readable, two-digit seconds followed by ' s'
11 h 21 min
